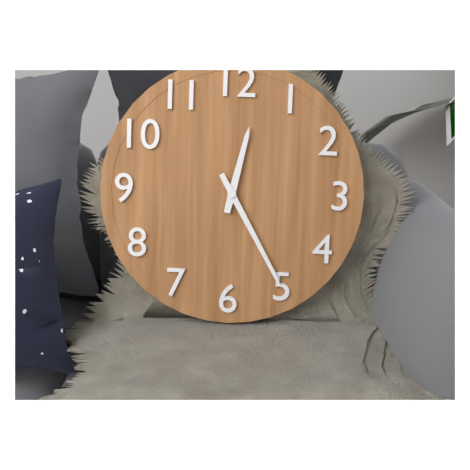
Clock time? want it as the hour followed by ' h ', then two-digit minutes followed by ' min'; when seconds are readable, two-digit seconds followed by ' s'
12 h 25 min
